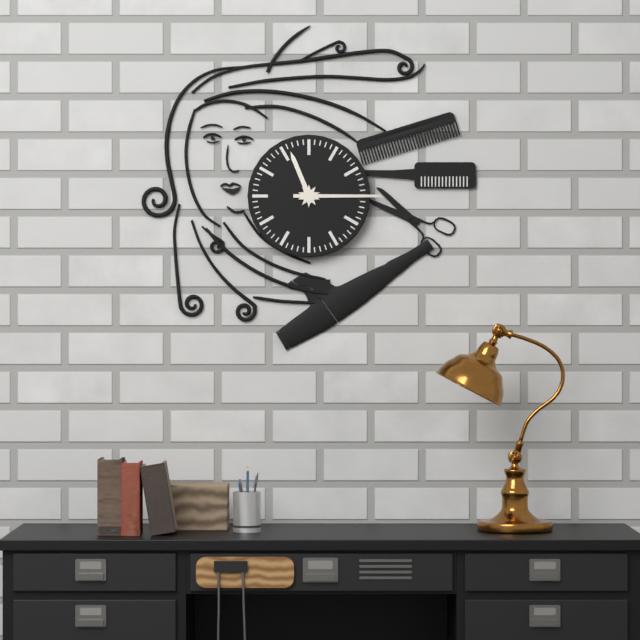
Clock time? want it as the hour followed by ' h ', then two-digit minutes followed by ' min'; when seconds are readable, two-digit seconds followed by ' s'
11 h 15 min
